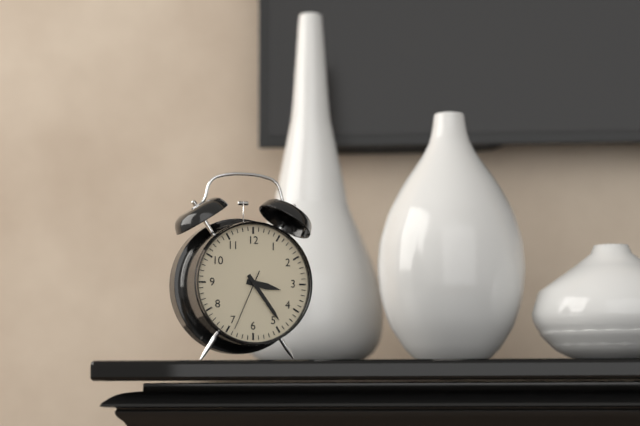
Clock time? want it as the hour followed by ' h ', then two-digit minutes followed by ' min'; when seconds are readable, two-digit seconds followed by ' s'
3 h 24 min 34 s
